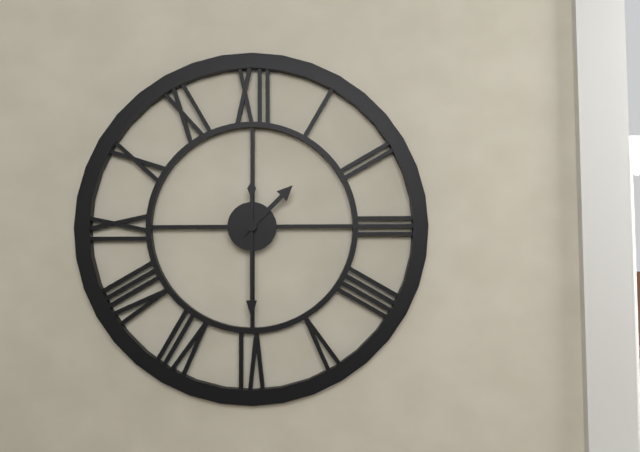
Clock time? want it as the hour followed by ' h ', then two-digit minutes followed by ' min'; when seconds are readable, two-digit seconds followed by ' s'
1 h 30 min
